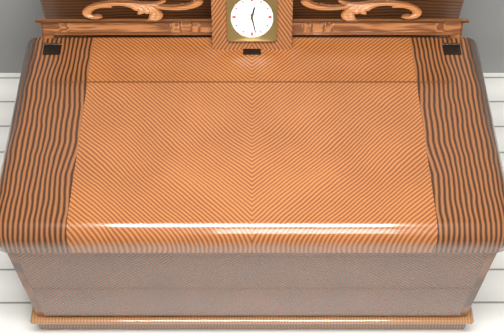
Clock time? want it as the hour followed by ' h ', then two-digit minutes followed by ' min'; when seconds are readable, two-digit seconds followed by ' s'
12 h 28 min
